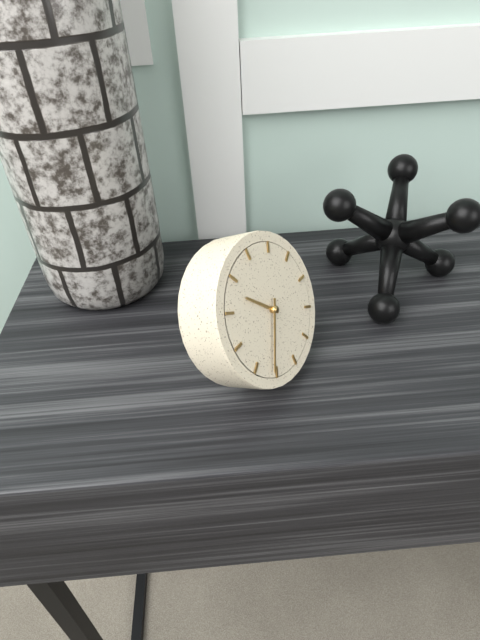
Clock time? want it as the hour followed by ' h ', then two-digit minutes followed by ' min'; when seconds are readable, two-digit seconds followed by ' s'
10 h 36 min
